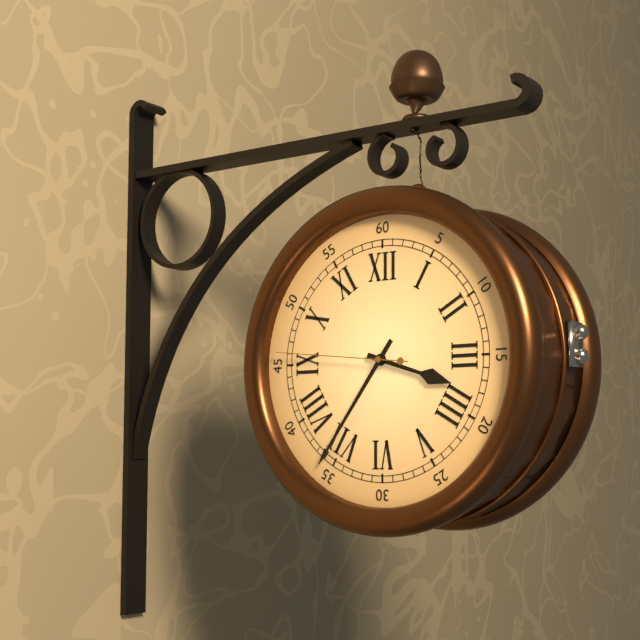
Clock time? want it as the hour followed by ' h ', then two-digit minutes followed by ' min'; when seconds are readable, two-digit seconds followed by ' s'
3 h 36 min 46 s
